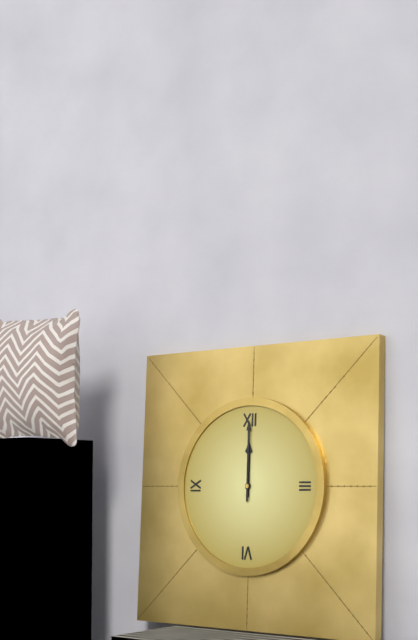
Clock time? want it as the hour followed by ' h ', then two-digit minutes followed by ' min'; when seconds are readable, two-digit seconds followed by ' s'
12 h 00 min
